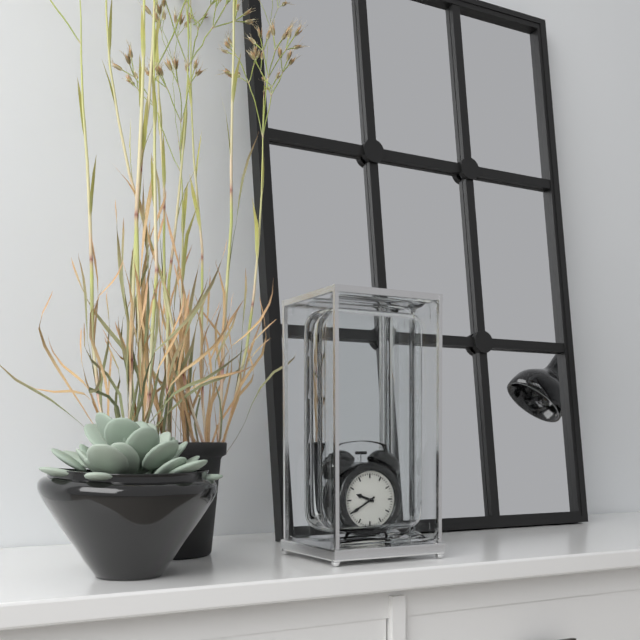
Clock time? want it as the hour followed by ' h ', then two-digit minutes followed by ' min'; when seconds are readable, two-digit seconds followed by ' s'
9 h 40 min
